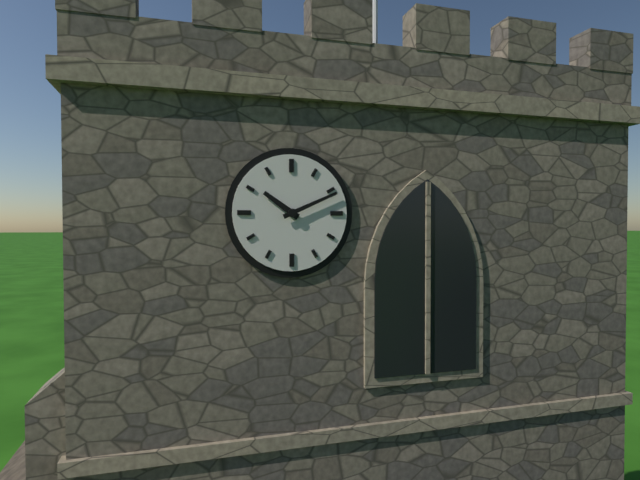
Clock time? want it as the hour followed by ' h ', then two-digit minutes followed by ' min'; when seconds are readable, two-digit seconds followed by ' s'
10 h 11 min
